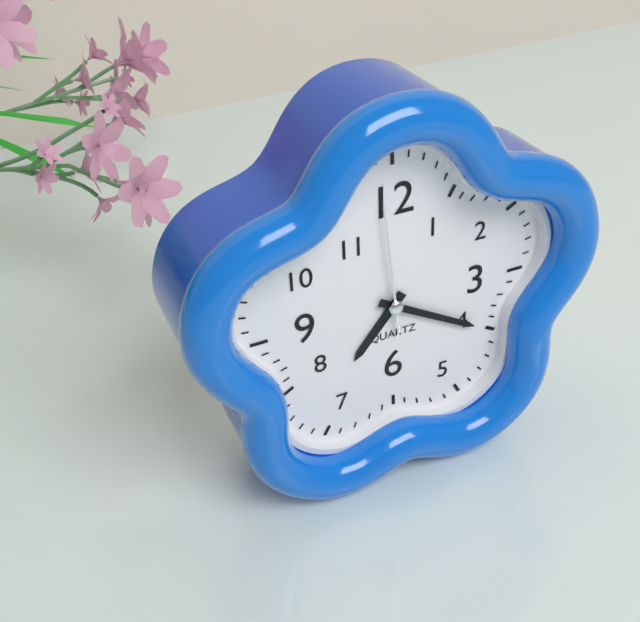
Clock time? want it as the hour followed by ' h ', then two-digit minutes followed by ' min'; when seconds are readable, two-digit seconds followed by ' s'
7 h 20 min 59 s
